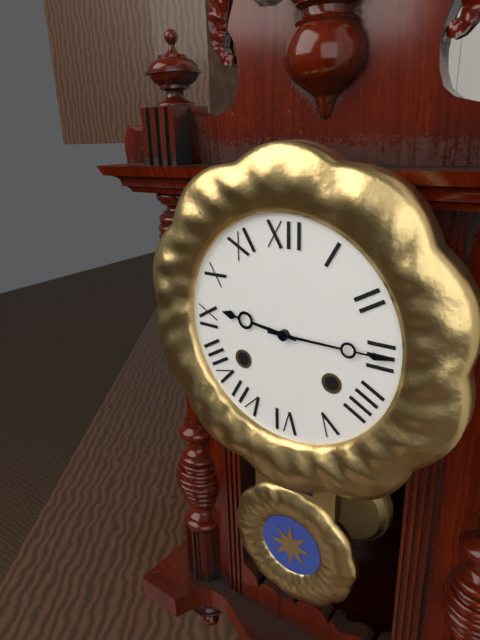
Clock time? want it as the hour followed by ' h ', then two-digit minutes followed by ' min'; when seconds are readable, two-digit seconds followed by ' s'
9 h 15 min
